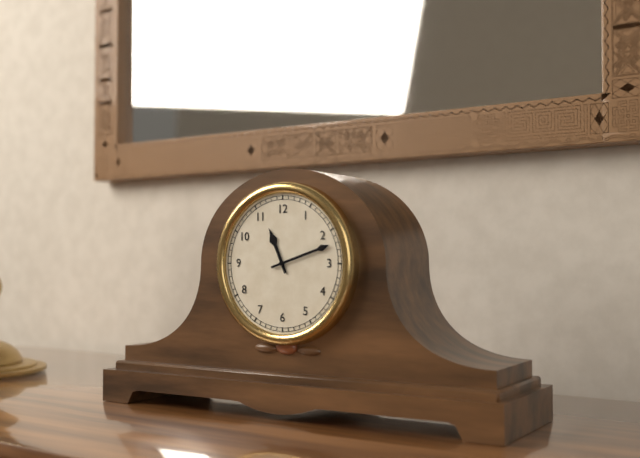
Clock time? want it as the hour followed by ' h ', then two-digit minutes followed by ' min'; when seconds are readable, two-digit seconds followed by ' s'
11 h 12 min
